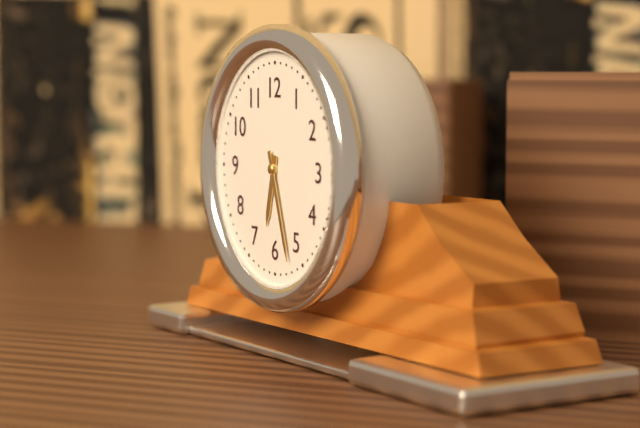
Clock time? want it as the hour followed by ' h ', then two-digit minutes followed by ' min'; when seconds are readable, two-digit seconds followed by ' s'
6 h 27 min
